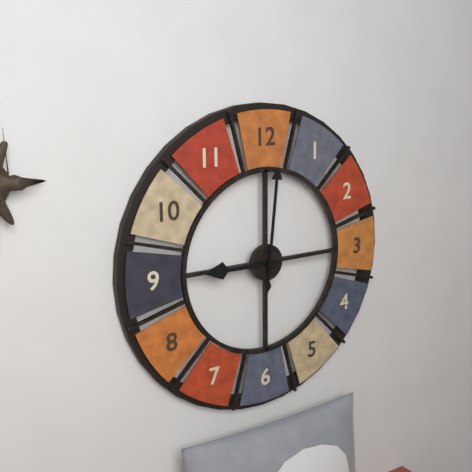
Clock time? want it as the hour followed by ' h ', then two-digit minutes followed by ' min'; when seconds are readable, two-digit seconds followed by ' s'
9 h 01 min
